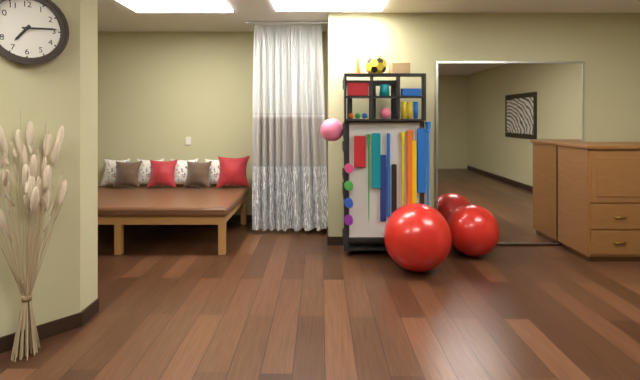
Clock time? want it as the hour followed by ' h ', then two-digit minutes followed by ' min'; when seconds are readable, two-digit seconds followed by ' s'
7 h 14 min
